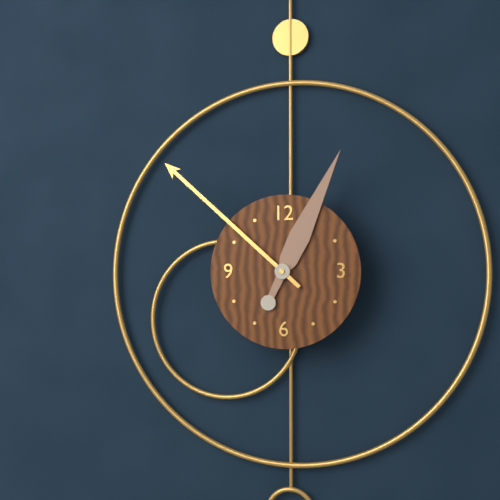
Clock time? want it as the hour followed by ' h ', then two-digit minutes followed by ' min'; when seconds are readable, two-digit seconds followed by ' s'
12 h 52 min
